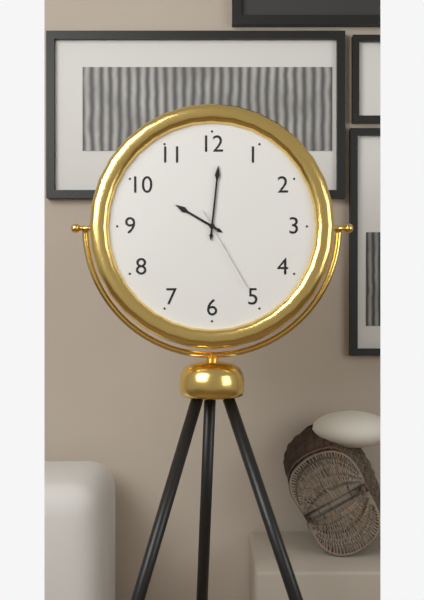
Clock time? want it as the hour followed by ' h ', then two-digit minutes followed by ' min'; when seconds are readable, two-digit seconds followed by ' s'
10 h 01 min 25 s
